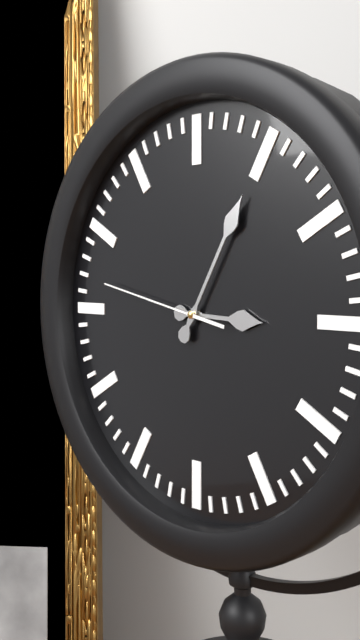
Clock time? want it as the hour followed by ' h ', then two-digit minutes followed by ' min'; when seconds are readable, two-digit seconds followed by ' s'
3 h 05 min 47 s
